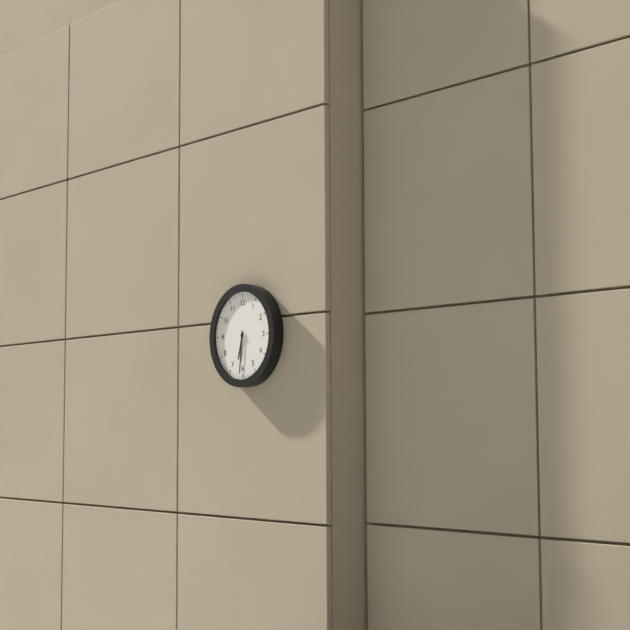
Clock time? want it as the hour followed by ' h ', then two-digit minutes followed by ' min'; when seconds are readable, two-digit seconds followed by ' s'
6 h 31 min
